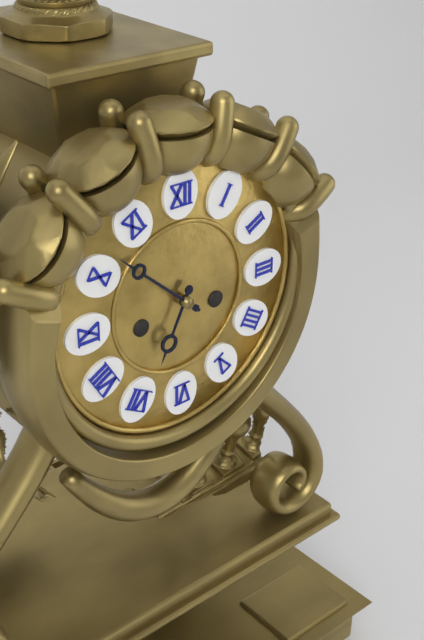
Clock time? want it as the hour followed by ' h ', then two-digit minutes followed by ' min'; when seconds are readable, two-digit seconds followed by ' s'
6 h 52 min
